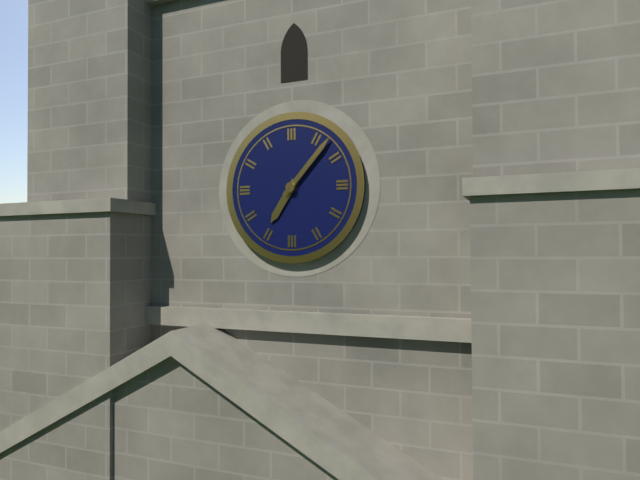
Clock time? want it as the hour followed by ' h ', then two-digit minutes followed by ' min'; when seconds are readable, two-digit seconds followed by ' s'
7 h 07 min
